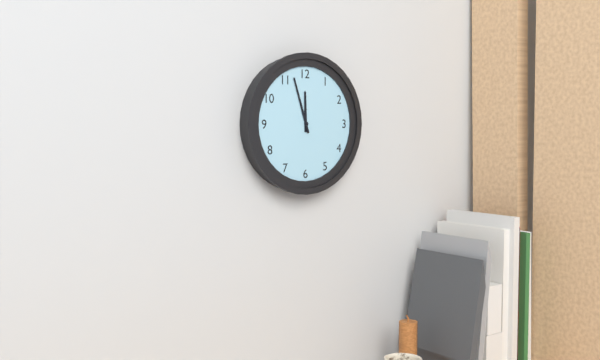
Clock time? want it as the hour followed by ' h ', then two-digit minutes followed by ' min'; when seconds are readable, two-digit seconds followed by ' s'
11 h 57 min
